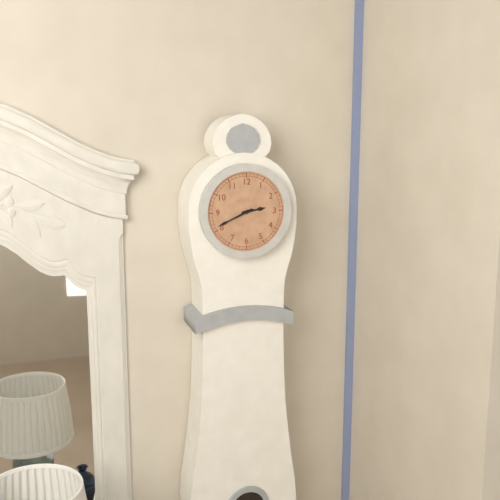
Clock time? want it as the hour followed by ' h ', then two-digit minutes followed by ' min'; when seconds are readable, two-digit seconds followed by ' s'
2 h 41 min
